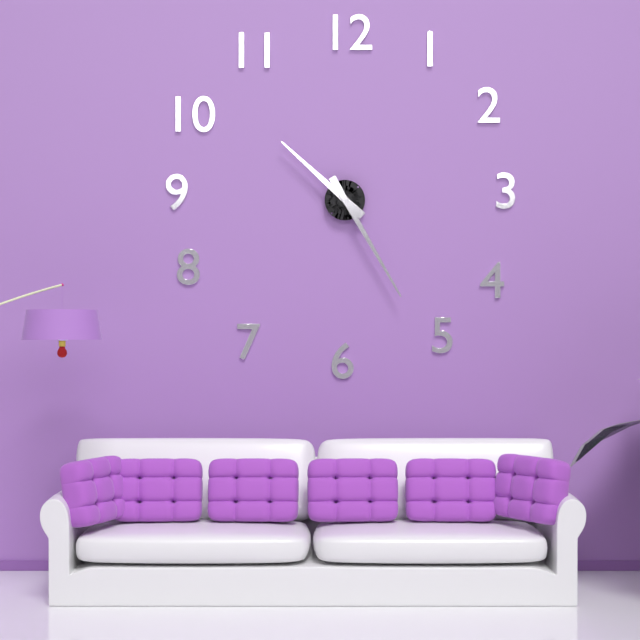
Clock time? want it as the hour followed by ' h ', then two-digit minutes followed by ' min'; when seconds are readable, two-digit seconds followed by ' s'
10 h 25 min
